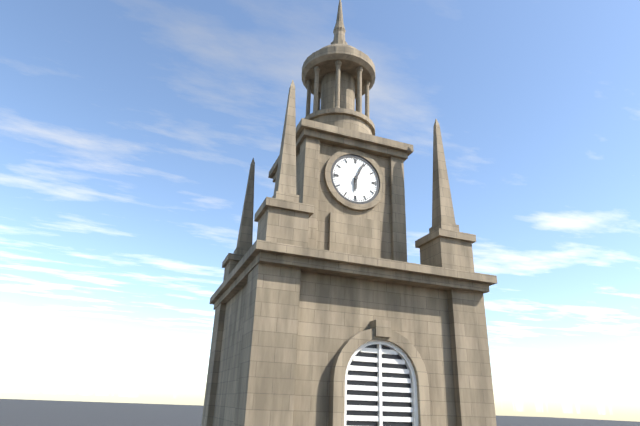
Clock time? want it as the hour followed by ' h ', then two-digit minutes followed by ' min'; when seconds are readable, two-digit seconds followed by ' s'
6 h 04 min
